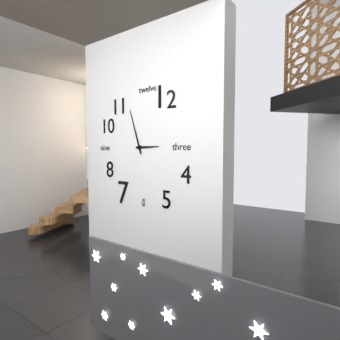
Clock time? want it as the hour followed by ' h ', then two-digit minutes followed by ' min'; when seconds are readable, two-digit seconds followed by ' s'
2 h 57 min
